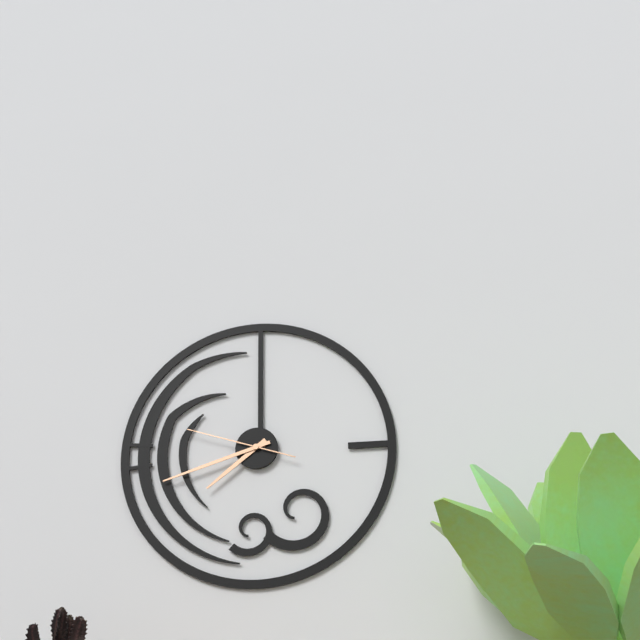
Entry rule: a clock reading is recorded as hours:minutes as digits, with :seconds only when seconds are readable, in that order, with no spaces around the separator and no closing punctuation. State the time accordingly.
7:42:48
